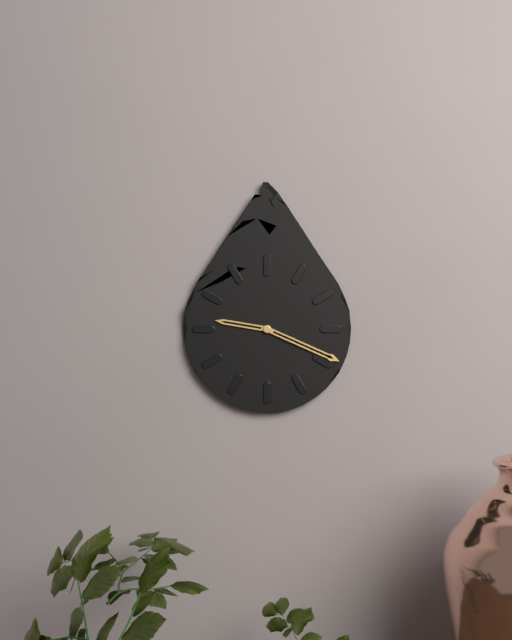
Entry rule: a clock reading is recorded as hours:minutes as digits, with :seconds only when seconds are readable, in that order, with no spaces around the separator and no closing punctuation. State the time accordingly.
9:19
